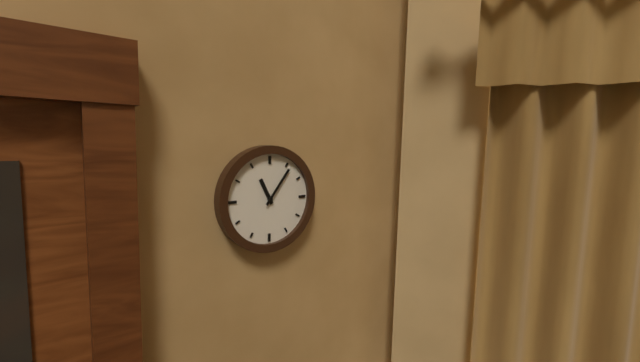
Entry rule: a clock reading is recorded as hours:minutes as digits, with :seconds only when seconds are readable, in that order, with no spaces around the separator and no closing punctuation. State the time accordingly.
11:06
